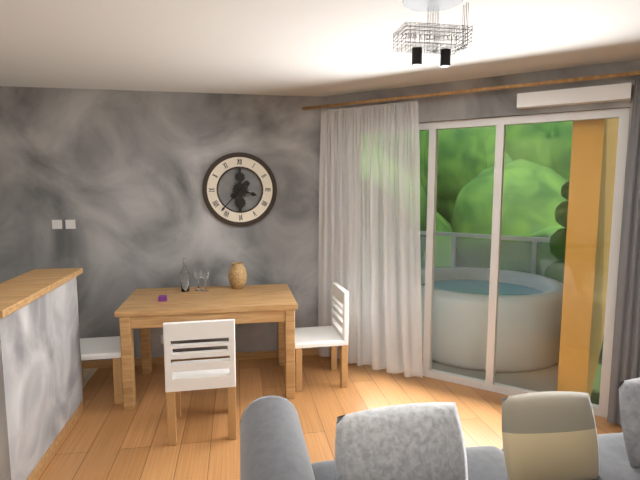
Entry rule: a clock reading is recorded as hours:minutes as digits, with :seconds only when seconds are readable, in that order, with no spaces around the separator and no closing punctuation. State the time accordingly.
3:37
